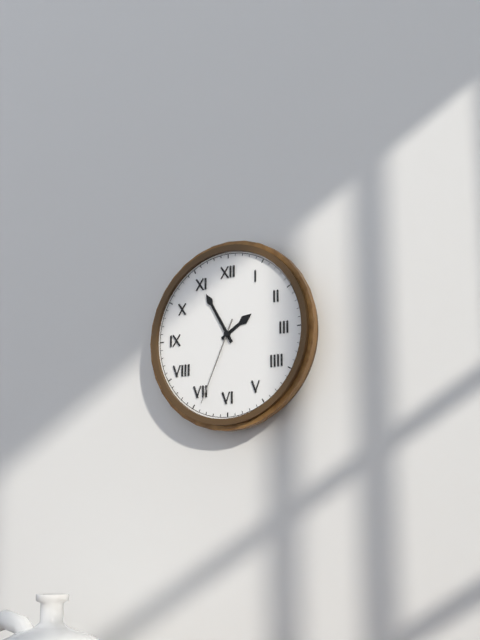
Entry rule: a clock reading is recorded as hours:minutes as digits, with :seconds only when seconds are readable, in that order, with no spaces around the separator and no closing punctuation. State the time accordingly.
1:55:34
